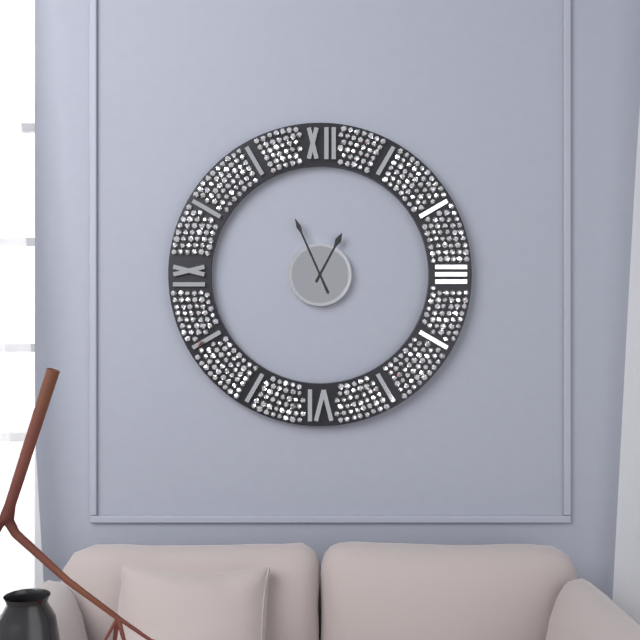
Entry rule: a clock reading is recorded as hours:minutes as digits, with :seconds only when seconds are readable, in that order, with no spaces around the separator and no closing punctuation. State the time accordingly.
12:56
